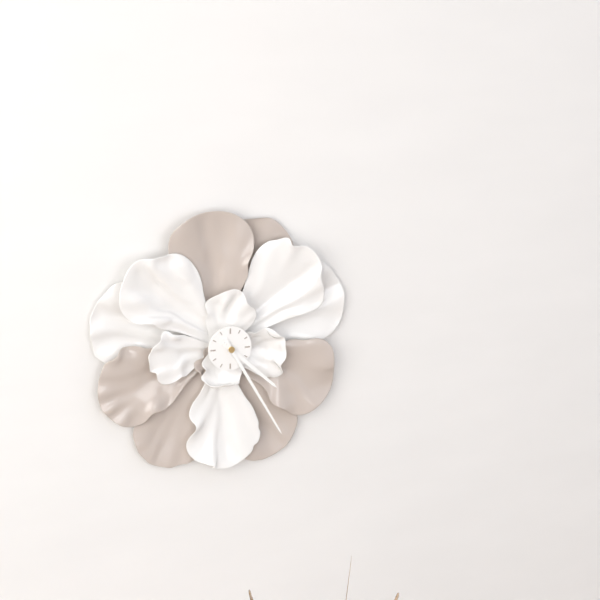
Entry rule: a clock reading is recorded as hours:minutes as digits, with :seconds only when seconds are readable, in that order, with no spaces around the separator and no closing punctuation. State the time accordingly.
4:25
